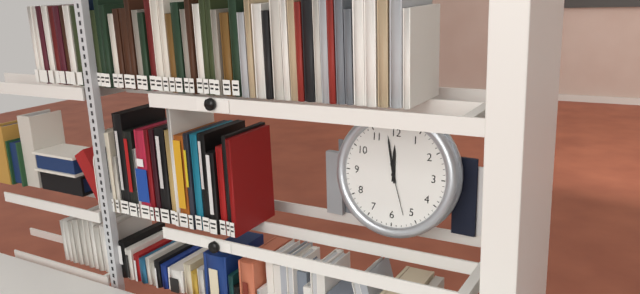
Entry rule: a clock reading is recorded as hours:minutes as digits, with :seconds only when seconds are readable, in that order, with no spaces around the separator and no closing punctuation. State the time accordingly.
11:58:27
